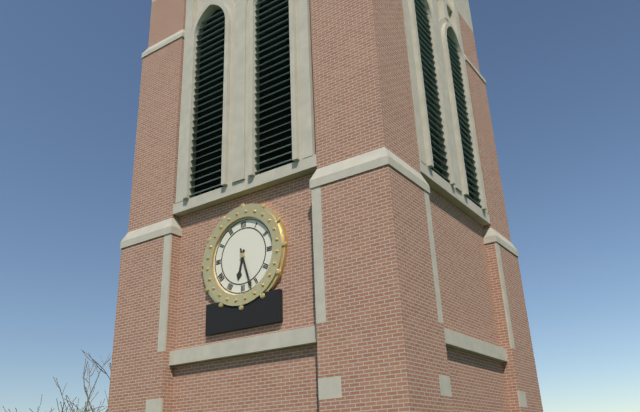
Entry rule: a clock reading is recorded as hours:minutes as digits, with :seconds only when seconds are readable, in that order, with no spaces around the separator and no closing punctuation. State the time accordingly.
6:27
